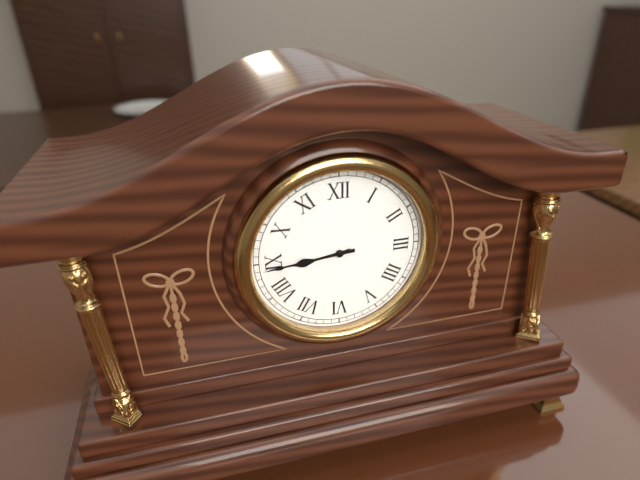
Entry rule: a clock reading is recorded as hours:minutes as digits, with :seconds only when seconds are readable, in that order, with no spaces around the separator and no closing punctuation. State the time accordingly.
8:44
